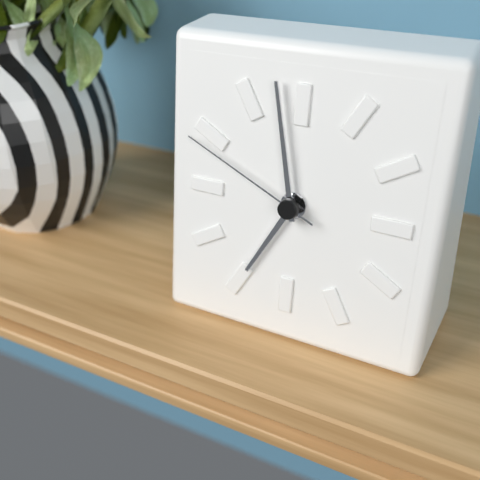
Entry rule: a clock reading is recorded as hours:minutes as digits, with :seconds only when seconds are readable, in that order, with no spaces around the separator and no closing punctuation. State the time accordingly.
6:58:49
